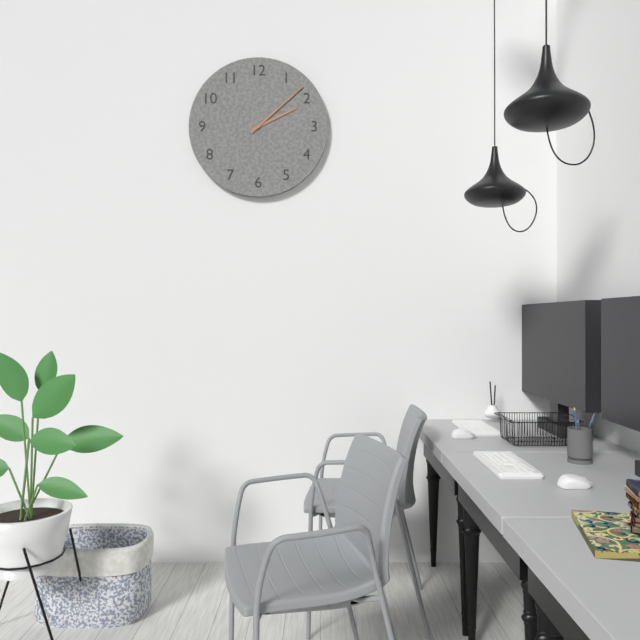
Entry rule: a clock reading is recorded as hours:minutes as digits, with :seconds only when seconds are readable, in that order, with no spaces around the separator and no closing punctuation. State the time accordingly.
2:08
